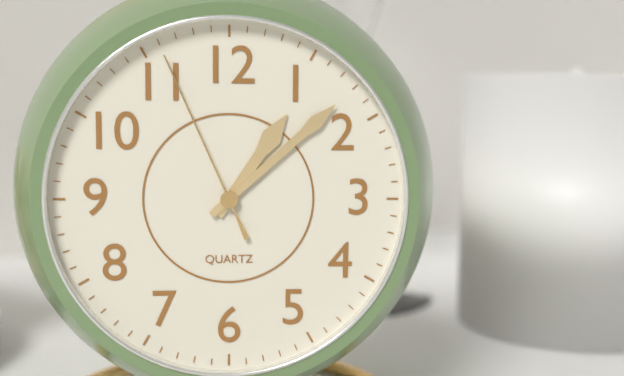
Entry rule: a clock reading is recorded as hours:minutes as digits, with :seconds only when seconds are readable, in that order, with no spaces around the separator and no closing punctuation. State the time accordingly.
1:08:56
